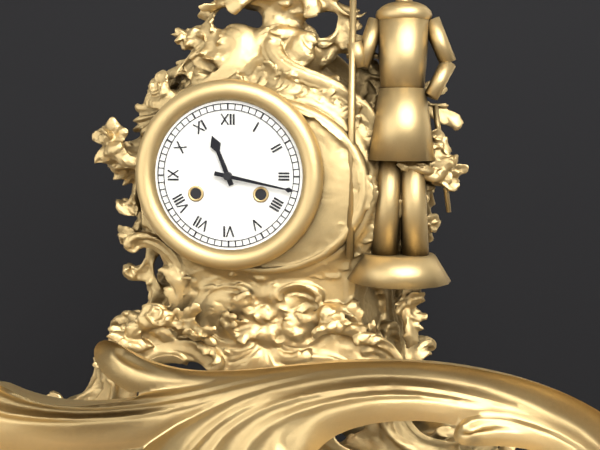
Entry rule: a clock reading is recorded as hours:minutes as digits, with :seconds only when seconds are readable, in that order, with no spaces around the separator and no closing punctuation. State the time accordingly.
11:17
